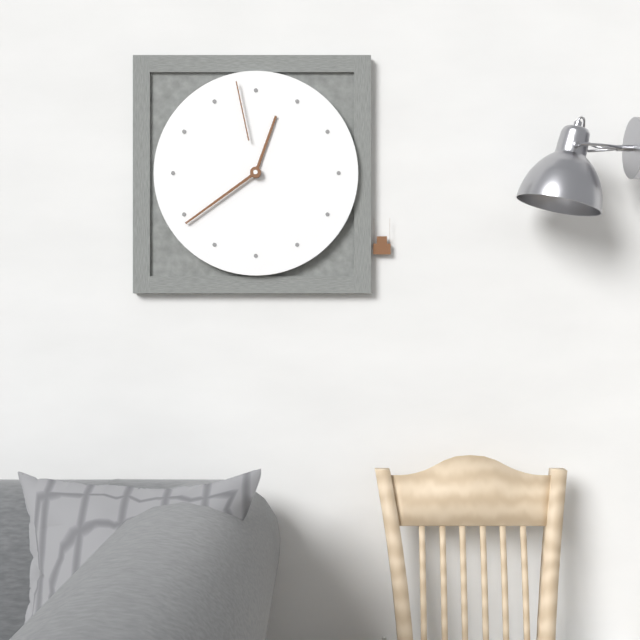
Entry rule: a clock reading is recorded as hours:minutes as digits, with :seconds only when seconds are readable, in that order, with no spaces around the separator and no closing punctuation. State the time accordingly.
12:39:58
